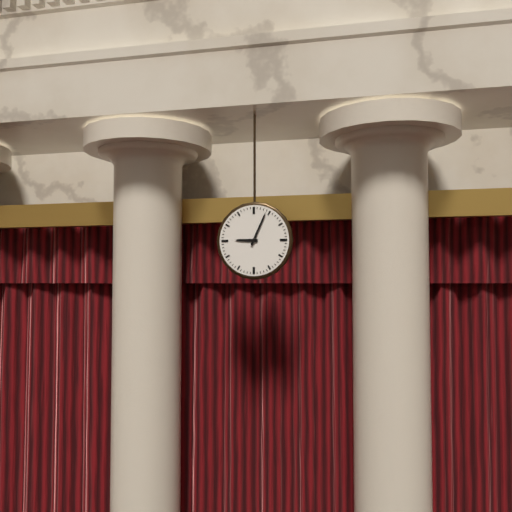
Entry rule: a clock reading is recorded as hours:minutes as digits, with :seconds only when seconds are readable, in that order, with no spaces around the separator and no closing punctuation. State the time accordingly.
9:04
